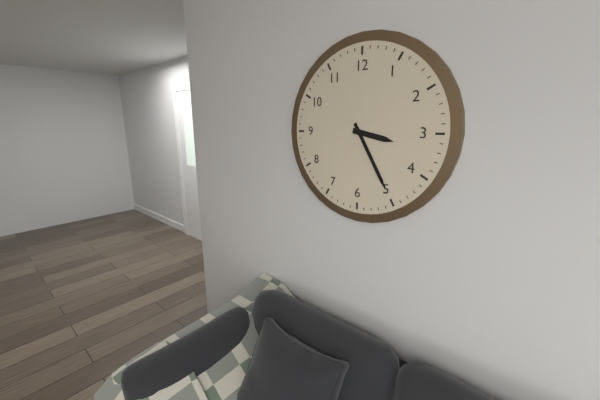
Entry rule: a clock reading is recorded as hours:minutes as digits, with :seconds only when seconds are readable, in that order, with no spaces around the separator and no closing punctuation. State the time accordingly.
3:25
